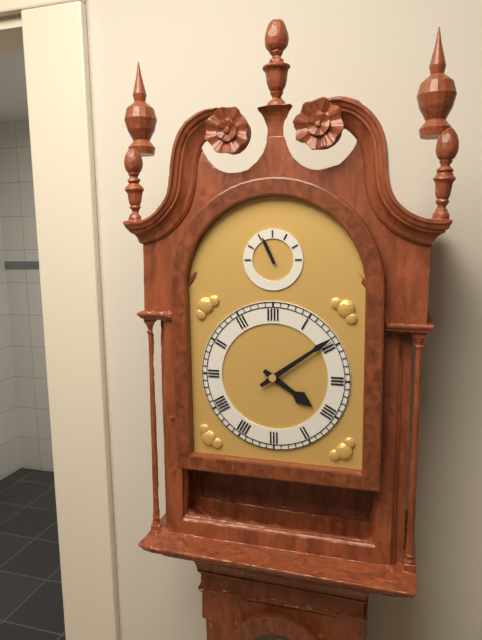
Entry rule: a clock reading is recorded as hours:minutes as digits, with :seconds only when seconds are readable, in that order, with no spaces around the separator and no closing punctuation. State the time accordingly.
4:09
